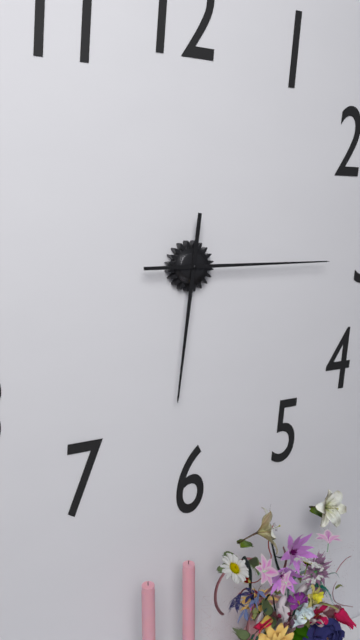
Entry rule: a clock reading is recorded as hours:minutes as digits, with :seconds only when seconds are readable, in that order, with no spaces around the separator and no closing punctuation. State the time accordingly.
6:15
